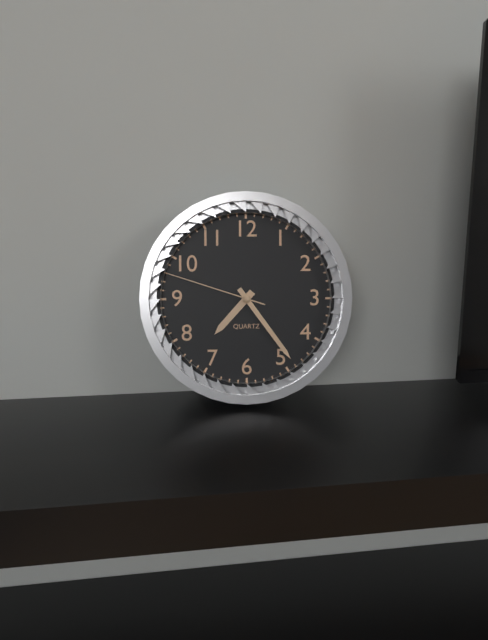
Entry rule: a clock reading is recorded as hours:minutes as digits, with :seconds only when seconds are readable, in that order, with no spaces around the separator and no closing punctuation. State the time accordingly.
7:24:48
